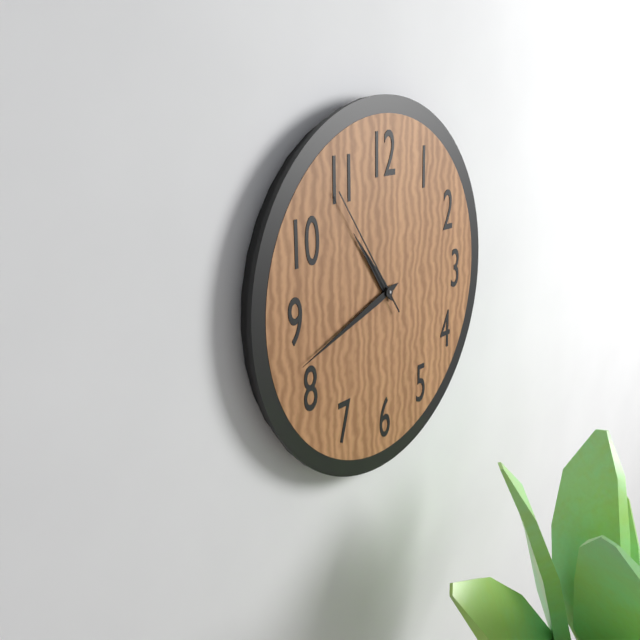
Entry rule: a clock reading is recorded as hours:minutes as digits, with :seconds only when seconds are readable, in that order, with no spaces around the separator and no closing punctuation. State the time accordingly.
10:42:54
